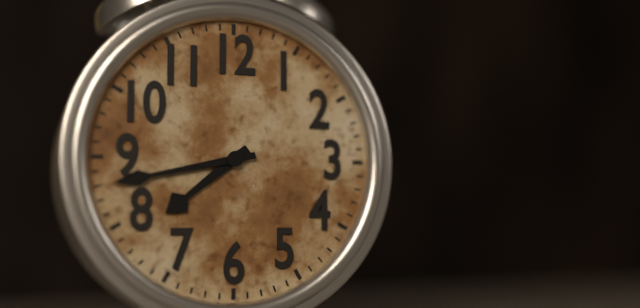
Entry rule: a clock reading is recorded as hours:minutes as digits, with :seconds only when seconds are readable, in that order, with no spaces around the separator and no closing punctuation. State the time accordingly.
7:43
